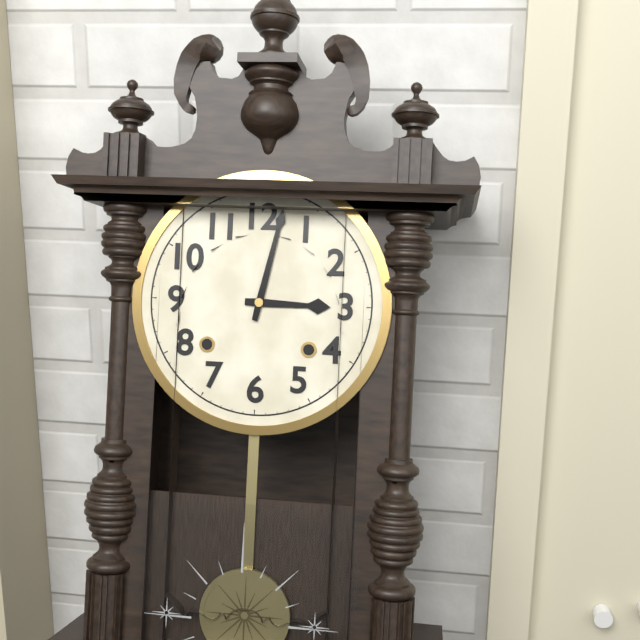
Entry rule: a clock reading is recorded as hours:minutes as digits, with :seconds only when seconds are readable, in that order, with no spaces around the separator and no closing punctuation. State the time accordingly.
3:02
